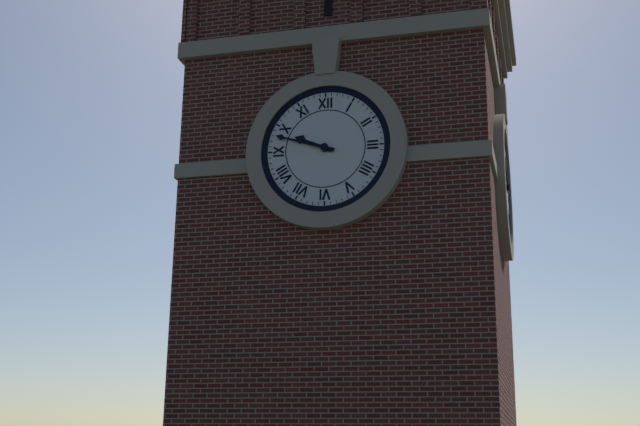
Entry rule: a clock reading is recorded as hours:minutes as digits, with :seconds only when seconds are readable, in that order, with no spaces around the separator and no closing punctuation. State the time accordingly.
9:48
